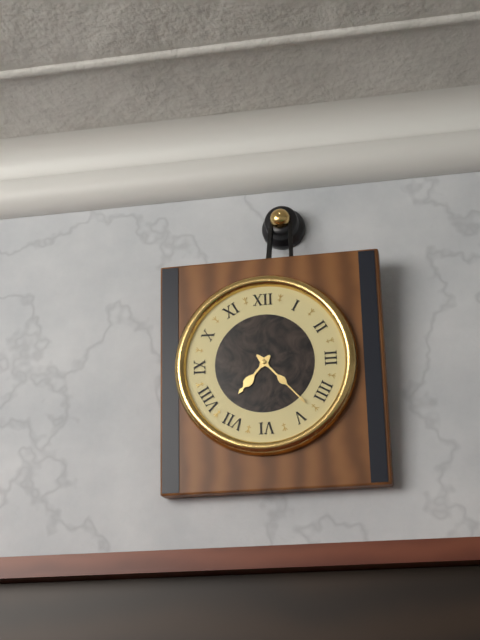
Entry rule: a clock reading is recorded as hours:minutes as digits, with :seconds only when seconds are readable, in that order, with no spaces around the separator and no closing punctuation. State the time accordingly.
7:23
